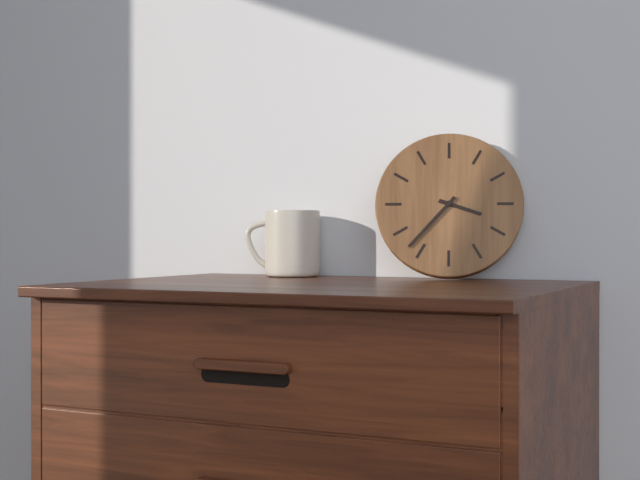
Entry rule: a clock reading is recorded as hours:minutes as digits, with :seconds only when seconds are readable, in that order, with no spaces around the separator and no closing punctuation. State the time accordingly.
3:37
